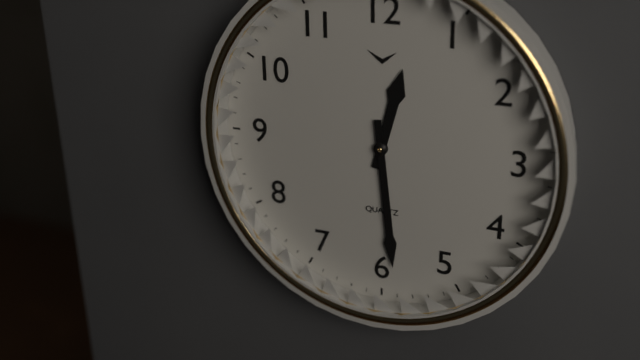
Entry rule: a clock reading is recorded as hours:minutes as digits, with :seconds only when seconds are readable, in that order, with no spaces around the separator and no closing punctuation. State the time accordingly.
12:29
